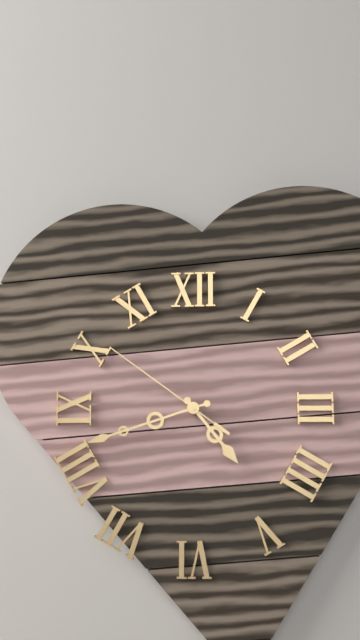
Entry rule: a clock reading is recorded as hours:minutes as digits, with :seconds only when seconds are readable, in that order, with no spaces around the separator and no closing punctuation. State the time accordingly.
4:42:51
